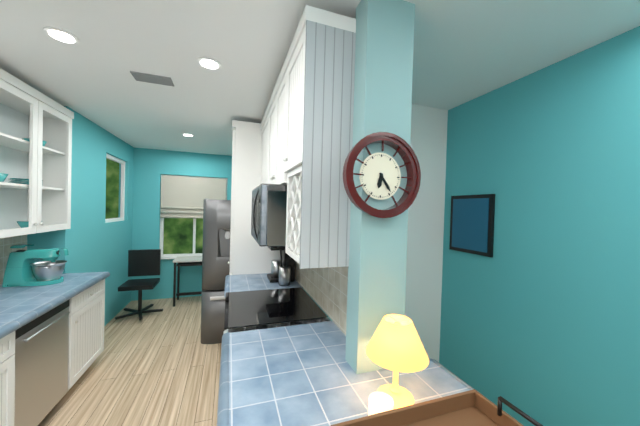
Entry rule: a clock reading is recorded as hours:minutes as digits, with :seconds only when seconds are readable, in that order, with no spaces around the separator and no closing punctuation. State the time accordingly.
6:24
